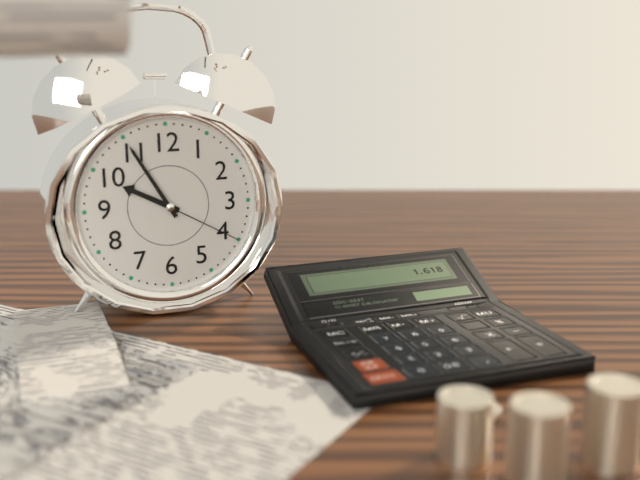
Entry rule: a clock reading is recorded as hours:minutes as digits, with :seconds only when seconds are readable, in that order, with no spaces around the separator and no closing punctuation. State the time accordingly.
9:55:20
